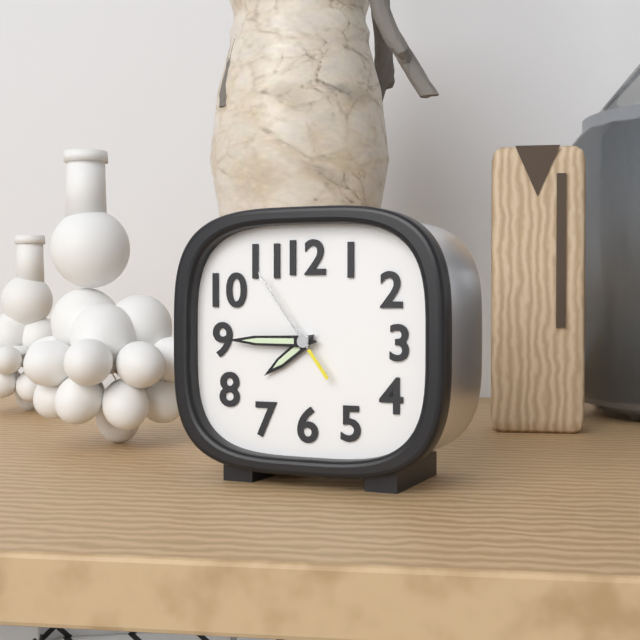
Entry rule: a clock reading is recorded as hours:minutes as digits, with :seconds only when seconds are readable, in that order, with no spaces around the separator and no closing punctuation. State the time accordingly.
7:45:54
